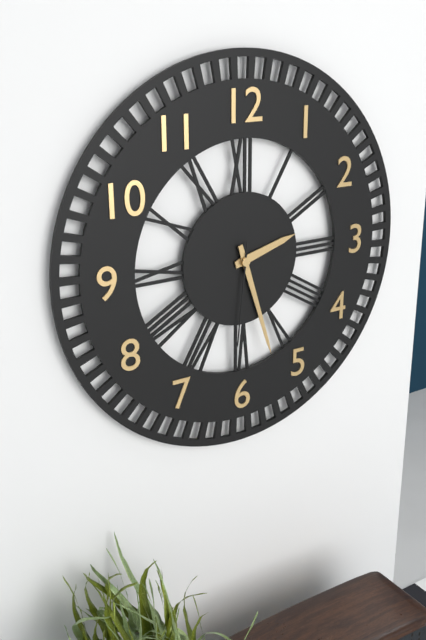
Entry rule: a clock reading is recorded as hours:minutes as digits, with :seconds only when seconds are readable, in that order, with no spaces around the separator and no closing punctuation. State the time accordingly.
2:27:31
